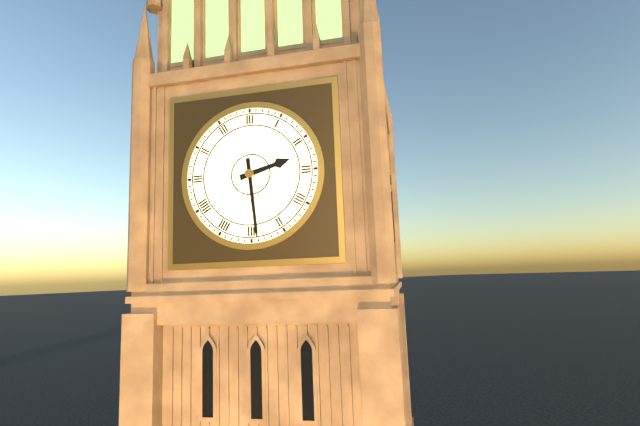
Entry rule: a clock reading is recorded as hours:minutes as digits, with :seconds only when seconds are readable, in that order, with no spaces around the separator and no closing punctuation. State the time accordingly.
2:29
